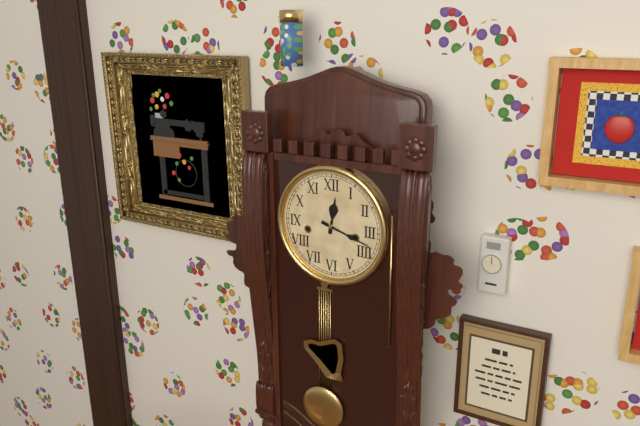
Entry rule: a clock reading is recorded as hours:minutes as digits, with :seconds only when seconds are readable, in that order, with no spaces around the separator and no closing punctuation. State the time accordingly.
12:18
